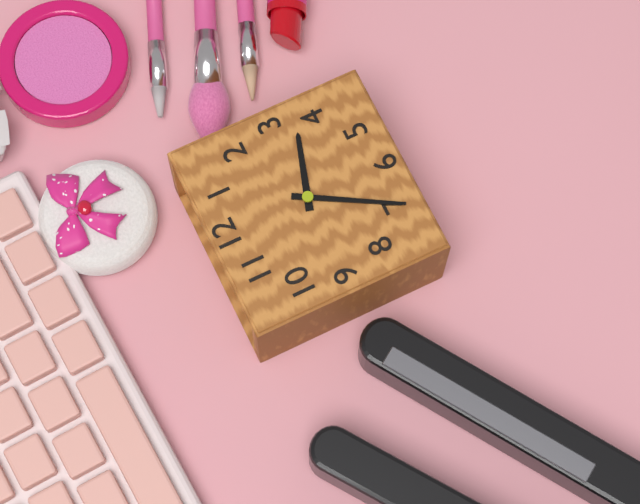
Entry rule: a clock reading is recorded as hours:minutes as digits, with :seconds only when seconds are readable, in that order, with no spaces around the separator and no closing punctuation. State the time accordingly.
3:35
